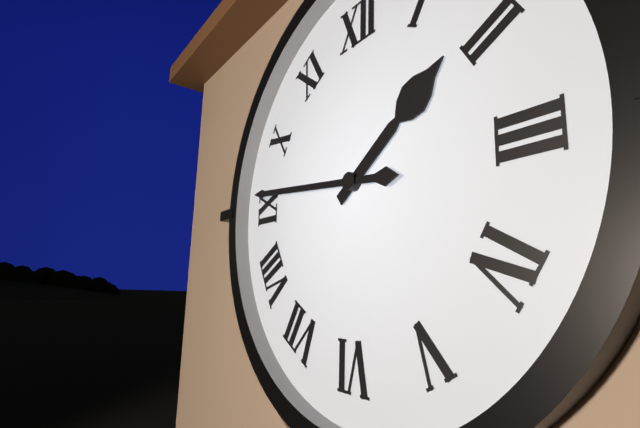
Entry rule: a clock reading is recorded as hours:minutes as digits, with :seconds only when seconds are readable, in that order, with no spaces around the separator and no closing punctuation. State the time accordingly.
1:46
